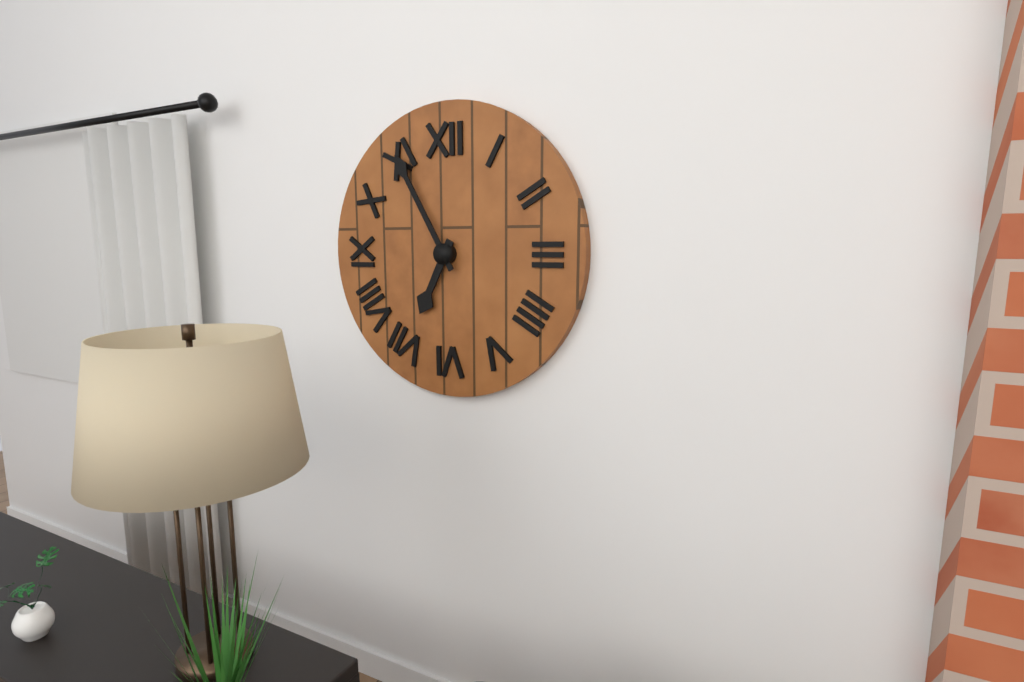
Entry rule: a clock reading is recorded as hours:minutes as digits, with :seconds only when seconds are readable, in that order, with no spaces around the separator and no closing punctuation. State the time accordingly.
6:55
